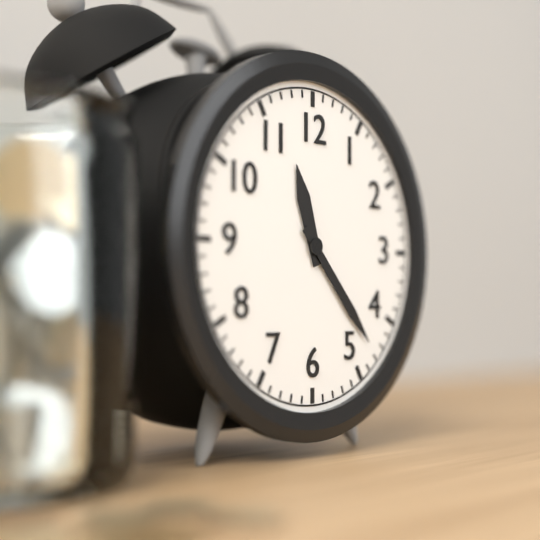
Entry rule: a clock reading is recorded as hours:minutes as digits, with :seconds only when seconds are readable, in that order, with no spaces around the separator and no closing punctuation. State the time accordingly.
11:23
